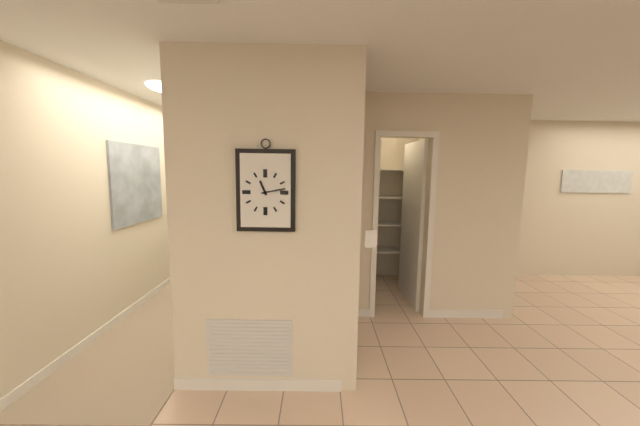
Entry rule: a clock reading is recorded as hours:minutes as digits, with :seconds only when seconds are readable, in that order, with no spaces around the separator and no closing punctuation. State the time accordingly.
11:13
